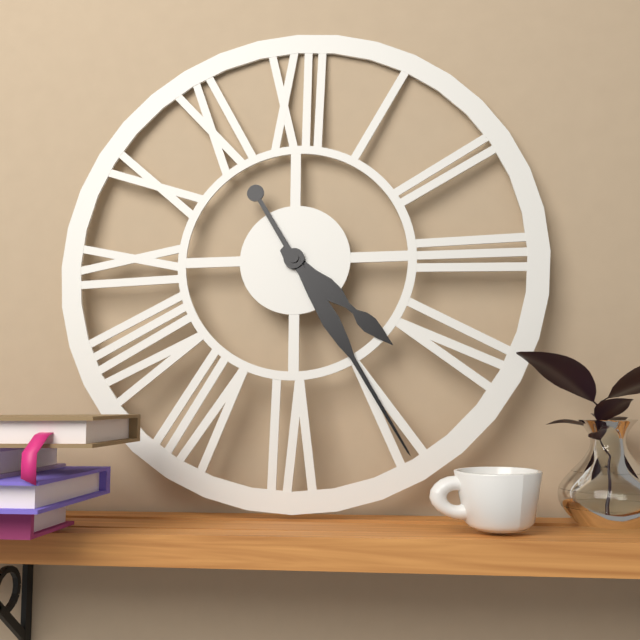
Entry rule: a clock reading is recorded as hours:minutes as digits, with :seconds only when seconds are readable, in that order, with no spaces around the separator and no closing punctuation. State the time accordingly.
4:25
